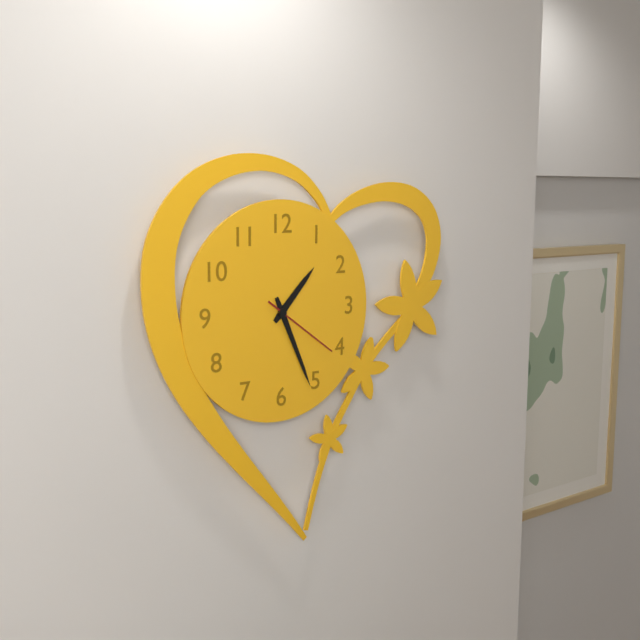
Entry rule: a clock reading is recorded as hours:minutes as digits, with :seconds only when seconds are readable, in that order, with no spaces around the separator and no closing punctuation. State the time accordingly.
1:26:21
